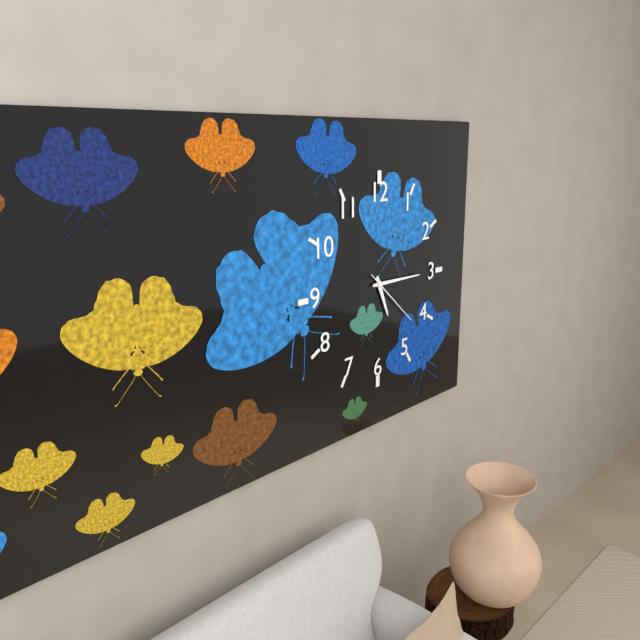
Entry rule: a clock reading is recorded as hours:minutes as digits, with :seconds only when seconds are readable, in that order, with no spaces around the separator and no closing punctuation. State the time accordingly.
5:15:22
